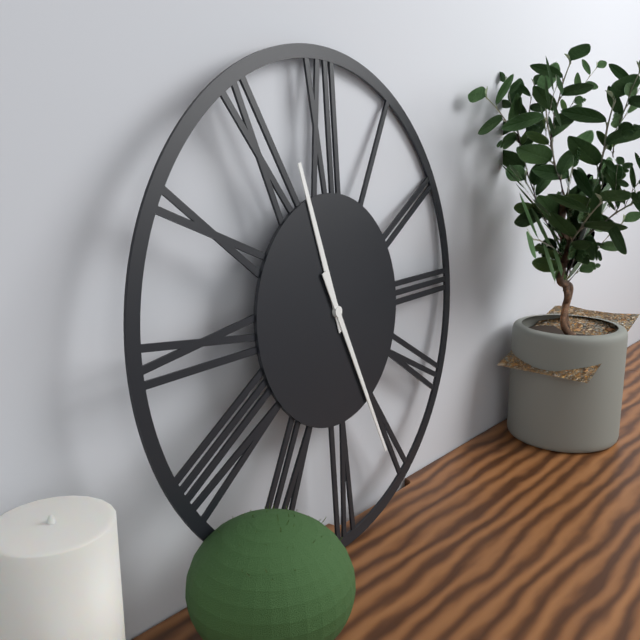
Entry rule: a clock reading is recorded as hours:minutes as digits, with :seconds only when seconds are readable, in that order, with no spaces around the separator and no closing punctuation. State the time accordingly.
11:26
